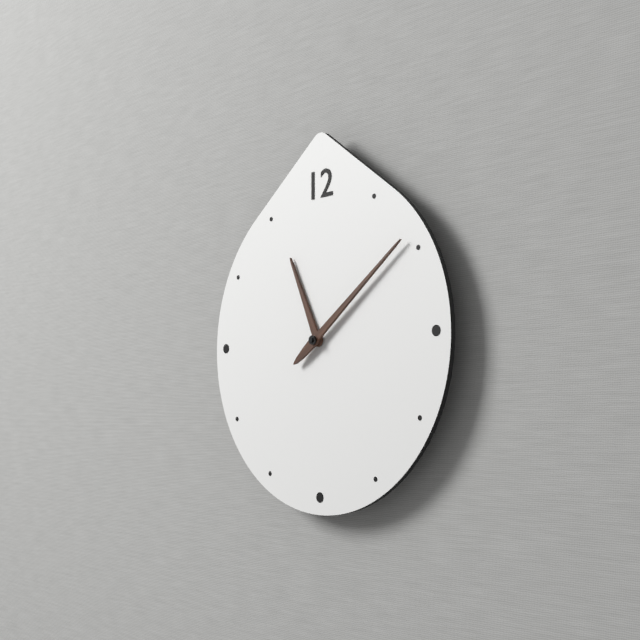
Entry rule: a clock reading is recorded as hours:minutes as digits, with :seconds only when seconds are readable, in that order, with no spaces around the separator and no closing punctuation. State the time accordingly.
11:09
